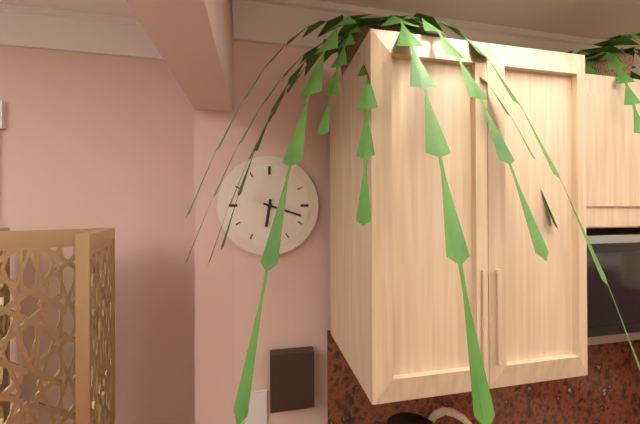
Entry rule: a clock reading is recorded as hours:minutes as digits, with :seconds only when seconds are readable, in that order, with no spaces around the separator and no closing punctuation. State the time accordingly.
6:18
